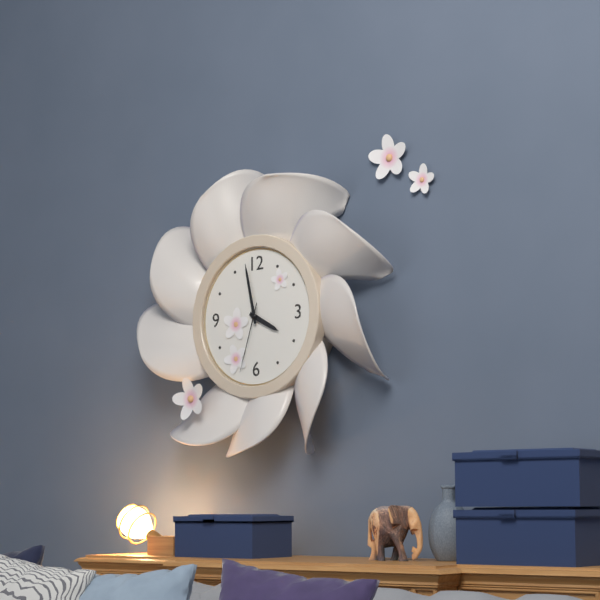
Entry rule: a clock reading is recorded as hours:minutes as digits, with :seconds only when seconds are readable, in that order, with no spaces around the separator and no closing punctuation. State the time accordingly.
3:58:33
